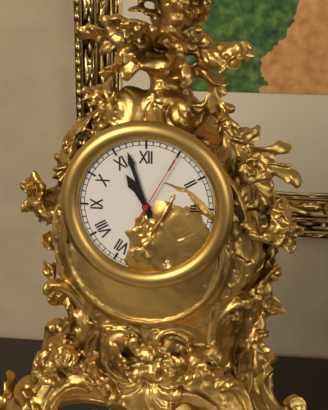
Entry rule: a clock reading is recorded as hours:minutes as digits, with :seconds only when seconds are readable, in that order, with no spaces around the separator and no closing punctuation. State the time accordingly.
10:57:05
